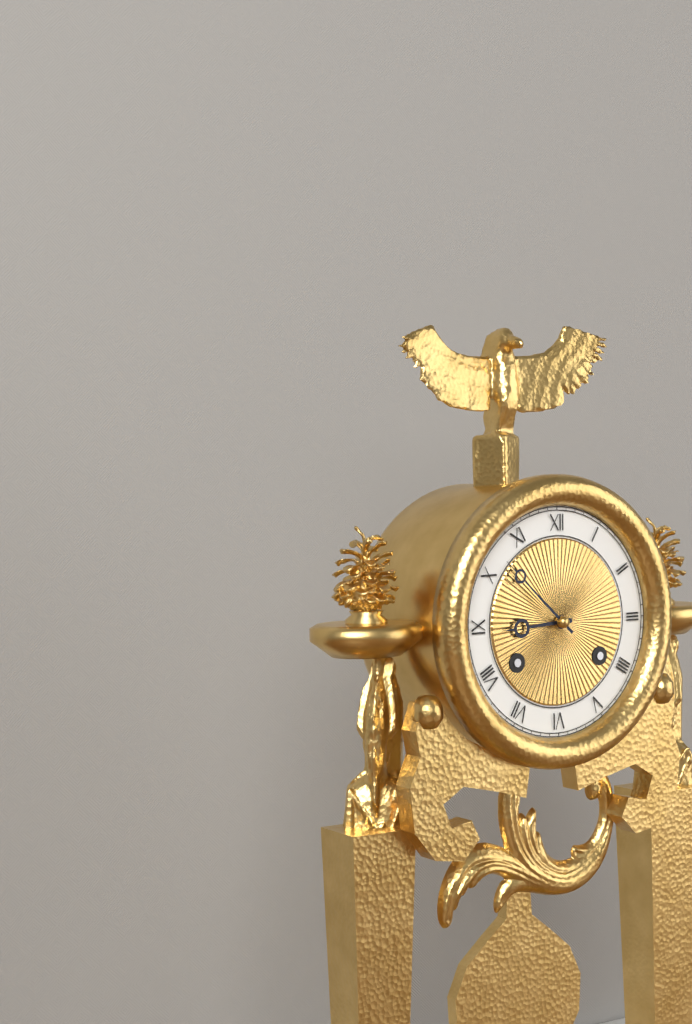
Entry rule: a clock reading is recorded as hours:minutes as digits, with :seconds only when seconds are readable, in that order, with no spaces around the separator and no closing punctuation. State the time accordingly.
8:52
